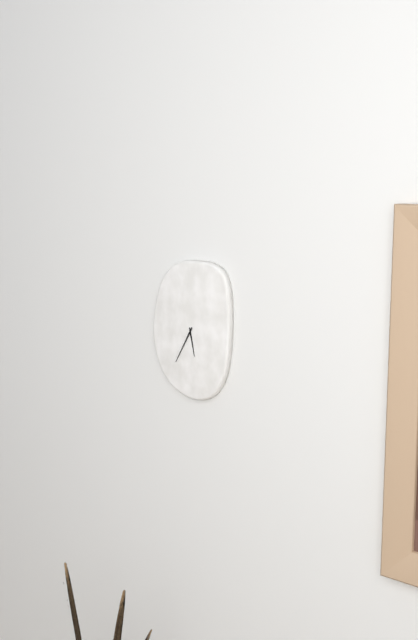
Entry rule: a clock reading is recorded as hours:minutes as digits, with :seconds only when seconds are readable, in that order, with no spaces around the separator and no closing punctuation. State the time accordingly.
5:35
